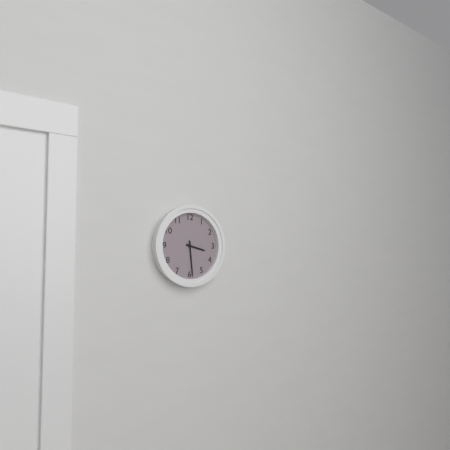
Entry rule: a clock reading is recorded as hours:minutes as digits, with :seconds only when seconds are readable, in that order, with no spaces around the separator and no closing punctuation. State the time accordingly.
3:29
